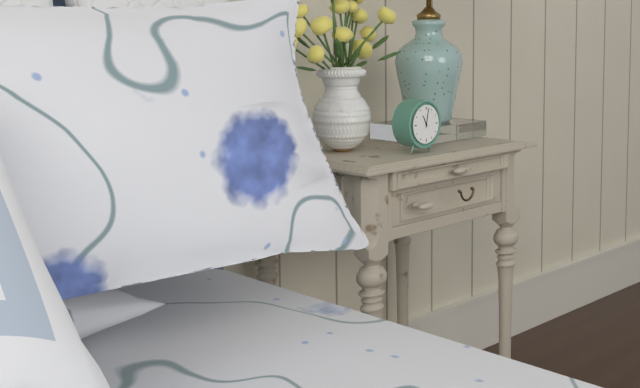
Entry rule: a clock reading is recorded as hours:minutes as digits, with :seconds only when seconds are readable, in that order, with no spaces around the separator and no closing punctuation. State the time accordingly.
11:02
